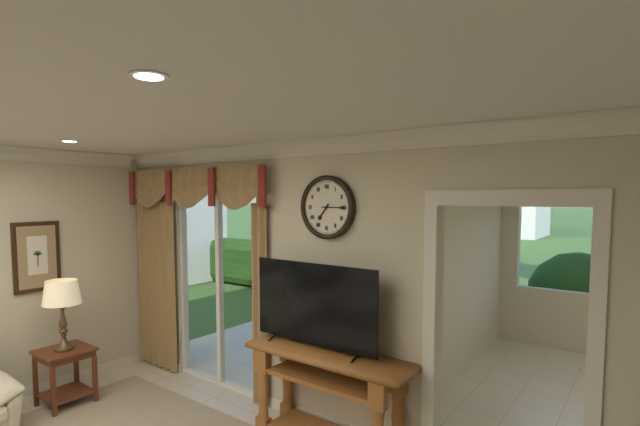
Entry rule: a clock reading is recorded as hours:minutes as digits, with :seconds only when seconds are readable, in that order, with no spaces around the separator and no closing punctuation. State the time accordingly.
7:15
